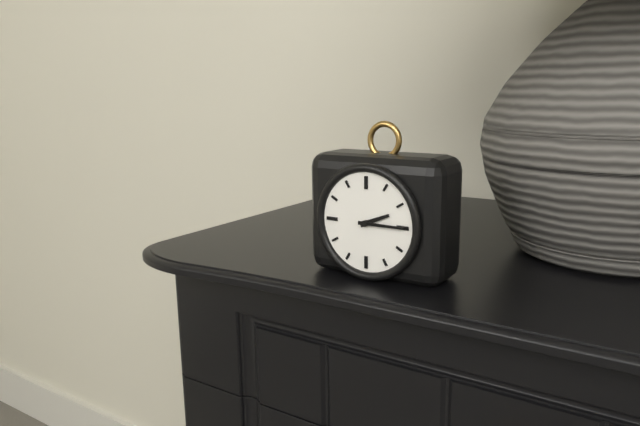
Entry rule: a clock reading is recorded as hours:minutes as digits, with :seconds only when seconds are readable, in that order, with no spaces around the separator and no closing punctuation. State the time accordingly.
2:15
